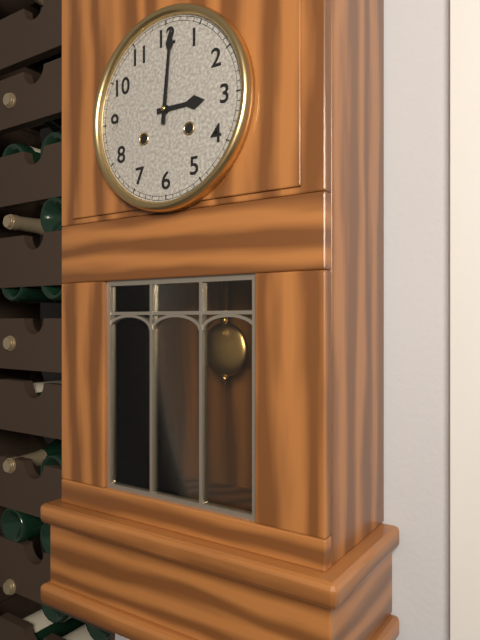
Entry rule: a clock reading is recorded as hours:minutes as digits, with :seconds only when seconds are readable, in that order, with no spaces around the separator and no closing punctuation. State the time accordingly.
3:01
